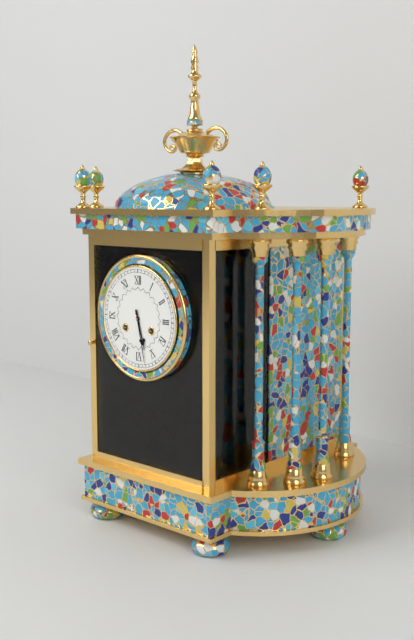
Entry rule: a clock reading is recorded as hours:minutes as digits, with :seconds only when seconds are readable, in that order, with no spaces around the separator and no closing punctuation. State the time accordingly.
5:28
